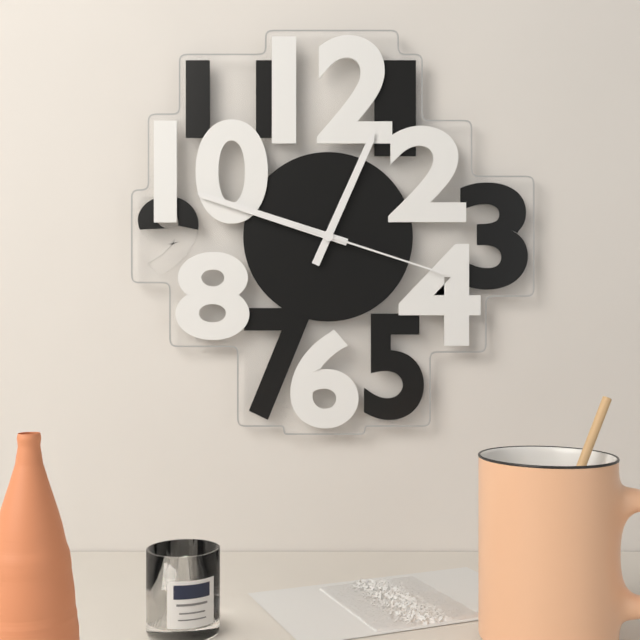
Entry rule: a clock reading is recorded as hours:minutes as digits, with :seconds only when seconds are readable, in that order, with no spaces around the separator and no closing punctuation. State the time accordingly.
12:48:18
